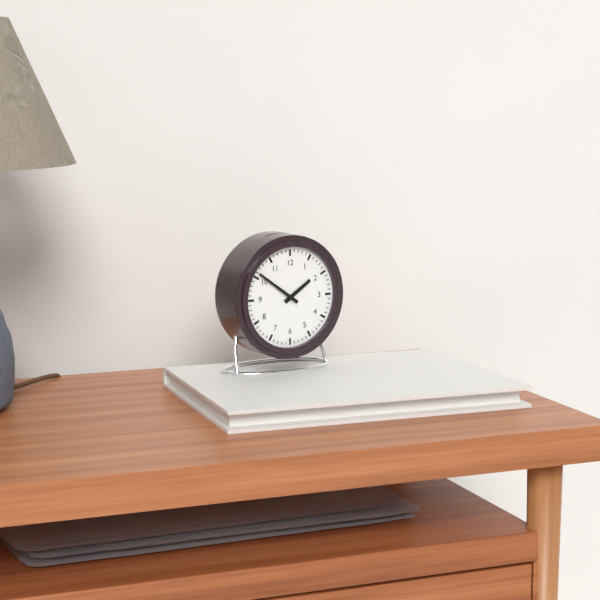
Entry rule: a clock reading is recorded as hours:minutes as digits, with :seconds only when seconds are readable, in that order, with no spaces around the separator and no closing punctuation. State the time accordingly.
1:51
